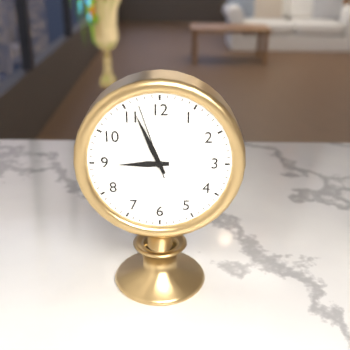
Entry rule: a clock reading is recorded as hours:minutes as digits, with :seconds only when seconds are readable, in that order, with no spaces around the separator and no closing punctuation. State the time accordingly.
8:56:57
